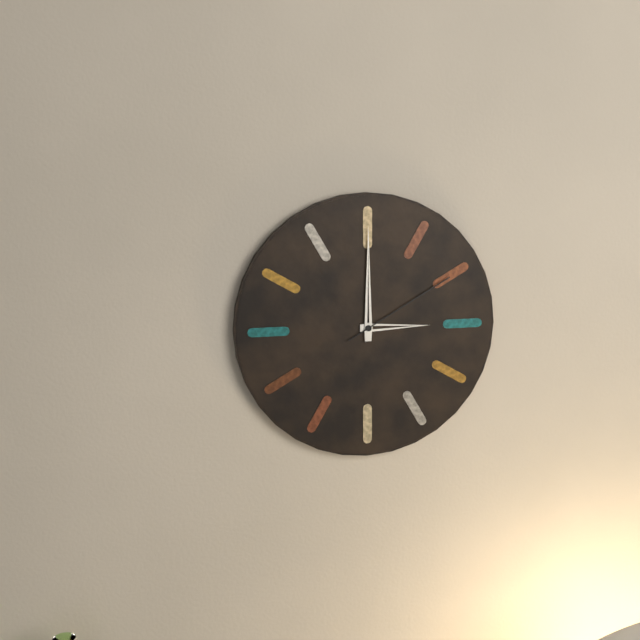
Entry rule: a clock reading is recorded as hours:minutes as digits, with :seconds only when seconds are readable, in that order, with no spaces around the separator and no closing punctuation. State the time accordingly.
3:00:10
